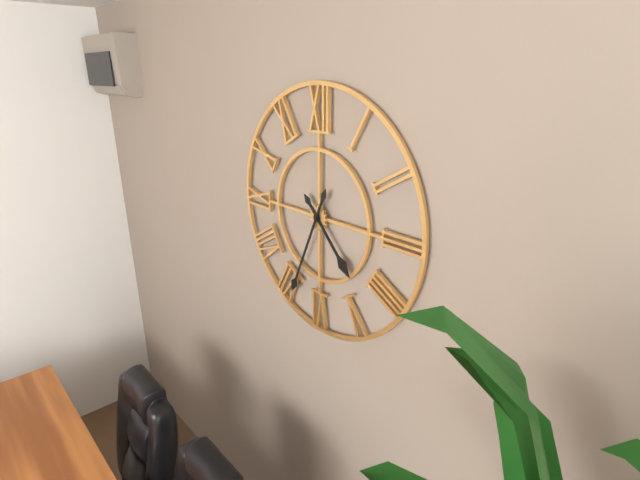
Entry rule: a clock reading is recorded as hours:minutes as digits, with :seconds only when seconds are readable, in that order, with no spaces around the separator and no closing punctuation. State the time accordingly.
4:34
